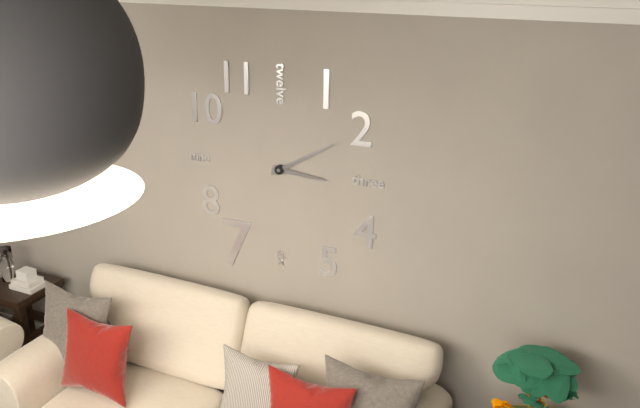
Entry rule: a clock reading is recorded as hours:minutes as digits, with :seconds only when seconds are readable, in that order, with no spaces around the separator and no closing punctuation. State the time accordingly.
3:10
